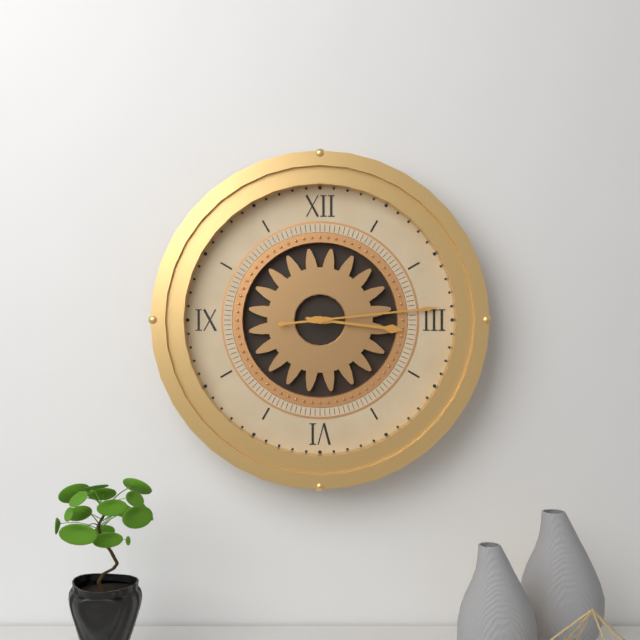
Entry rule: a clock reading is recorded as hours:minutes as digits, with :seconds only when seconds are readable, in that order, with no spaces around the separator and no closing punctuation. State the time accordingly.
3:14
